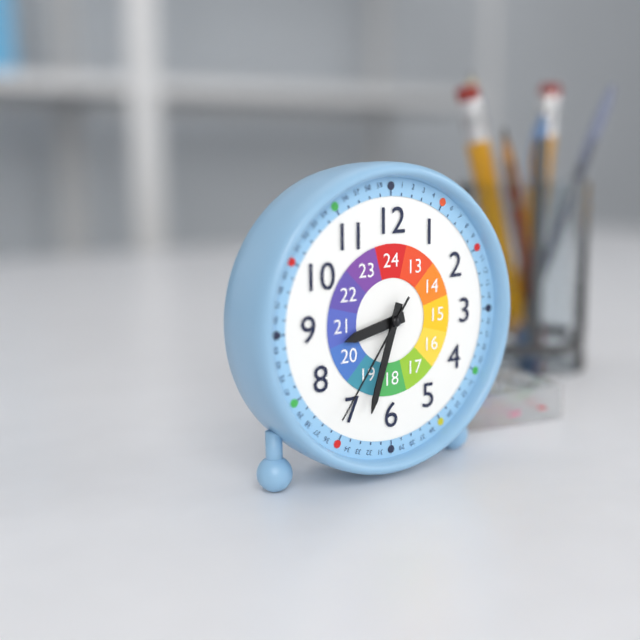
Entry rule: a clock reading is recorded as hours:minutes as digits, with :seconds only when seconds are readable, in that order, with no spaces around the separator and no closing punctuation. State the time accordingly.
8:33:36
